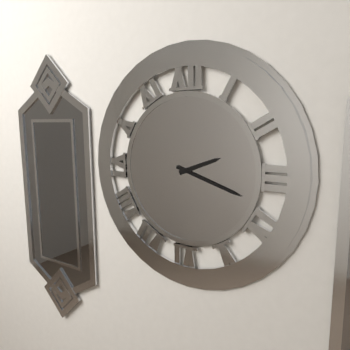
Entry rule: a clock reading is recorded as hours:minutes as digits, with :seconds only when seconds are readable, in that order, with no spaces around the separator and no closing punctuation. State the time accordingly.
2:18
